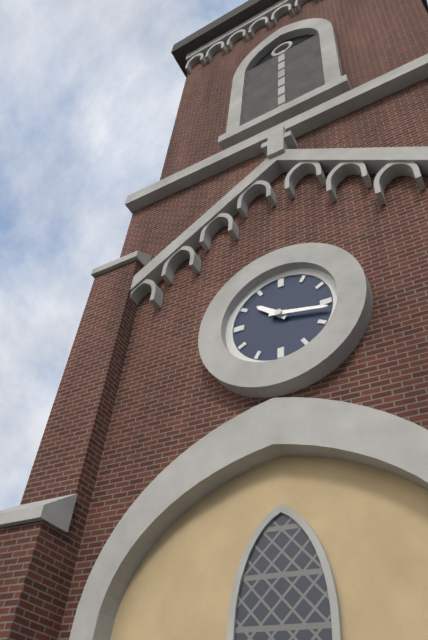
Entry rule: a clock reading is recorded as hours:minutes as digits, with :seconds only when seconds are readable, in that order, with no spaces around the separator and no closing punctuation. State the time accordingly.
10:17
